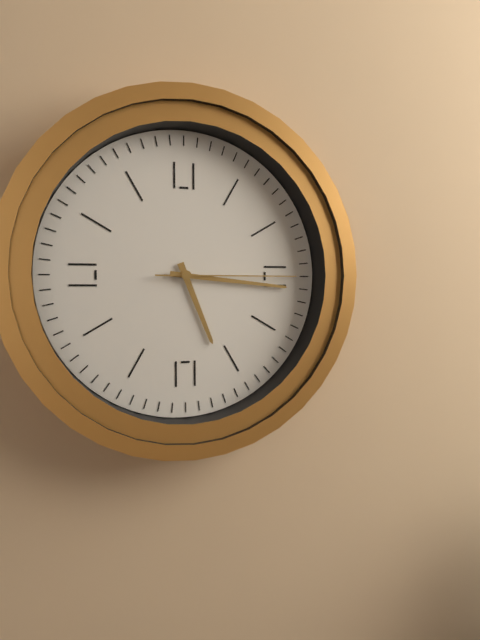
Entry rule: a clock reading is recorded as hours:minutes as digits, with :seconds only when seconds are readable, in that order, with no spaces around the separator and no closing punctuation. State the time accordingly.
5:16:15
